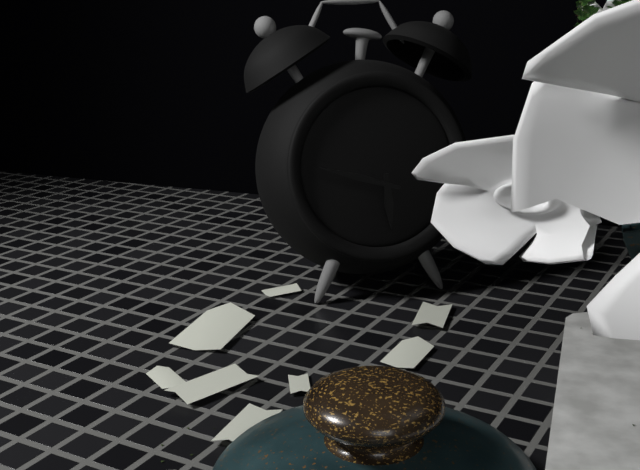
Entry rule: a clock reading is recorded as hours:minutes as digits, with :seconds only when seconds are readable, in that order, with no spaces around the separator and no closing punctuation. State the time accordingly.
5:48
